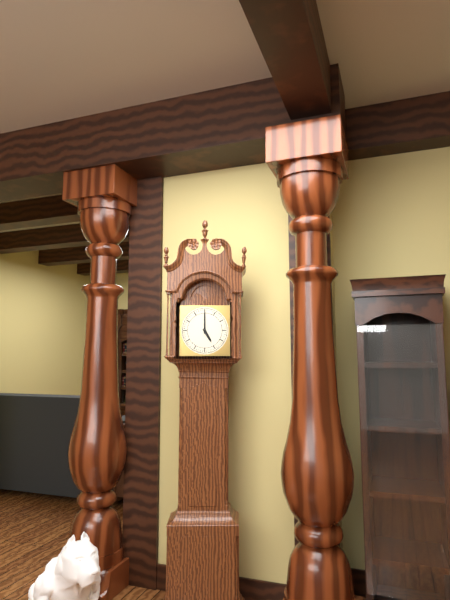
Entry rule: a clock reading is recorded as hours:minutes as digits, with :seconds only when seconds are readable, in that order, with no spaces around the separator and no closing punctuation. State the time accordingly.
5:00
